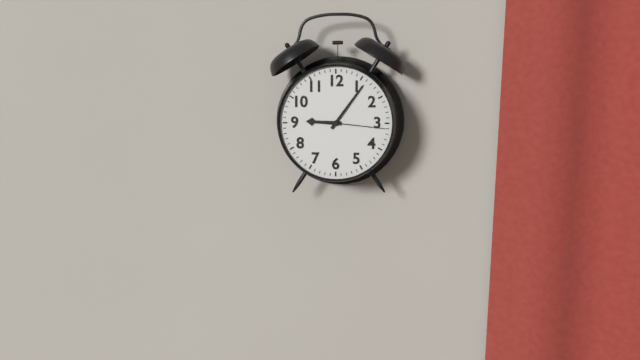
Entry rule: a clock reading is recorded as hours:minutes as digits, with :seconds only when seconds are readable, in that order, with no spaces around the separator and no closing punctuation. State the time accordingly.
9:06:16
